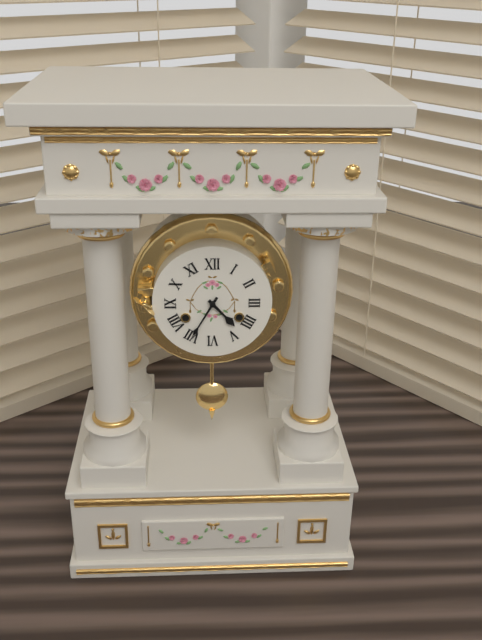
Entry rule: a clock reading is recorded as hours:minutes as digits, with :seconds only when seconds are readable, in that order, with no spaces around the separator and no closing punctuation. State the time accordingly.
4:35
